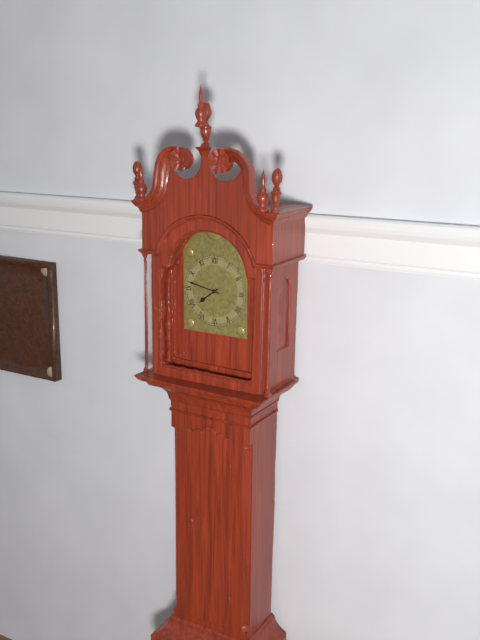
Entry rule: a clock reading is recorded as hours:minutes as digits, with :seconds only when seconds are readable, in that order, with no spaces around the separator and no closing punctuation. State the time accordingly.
7:47
